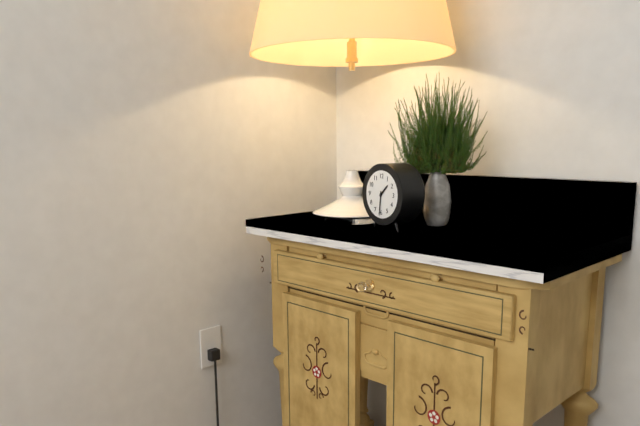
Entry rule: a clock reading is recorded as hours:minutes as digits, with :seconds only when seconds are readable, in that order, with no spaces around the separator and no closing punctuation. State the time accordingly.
1:31
